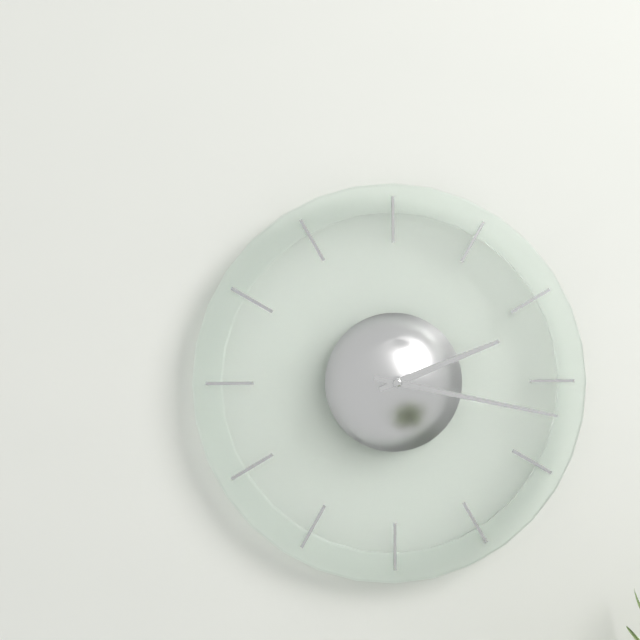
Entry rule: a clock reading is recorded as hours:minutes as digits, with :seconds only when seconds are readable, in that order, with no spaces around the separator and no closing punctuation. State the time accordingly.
2:17
